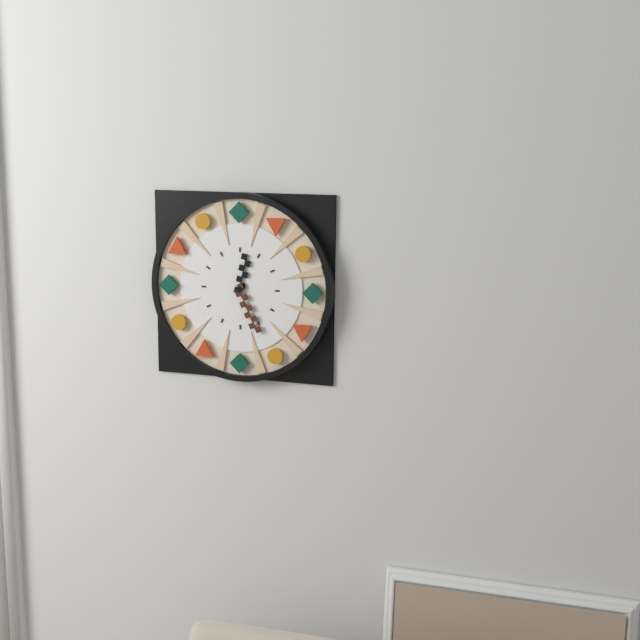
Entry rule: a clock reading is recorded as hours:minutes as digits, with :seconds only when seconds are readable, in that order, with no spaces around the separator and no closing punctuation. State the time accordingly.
12:26
